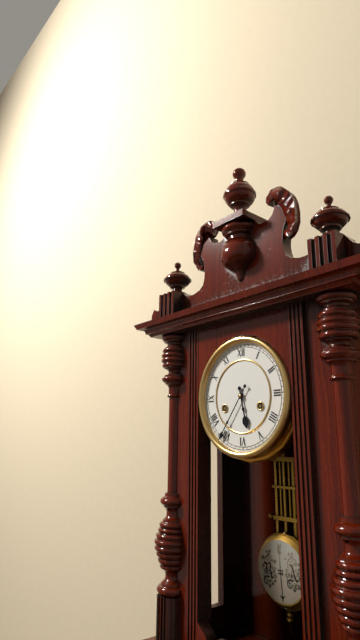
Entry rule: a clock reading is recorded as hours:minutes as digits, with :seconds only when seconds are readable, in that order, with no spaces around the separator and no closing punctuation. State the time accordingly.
5:36
